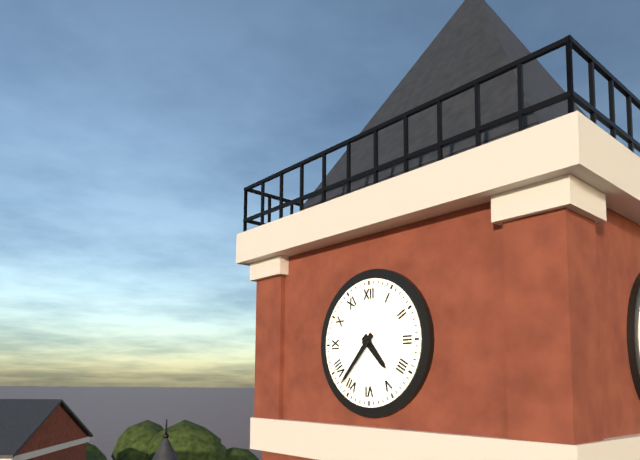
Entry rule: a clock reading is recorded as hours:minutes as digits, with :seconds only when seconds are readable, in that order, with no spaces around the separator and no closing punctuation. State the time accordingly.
4:37
